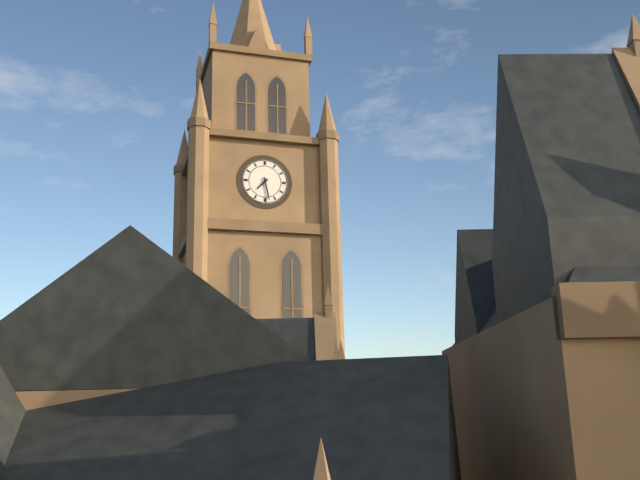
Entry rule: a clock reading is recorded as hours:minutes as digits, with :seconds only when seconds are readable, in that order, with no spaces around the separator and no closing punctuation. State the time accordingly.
7:28
